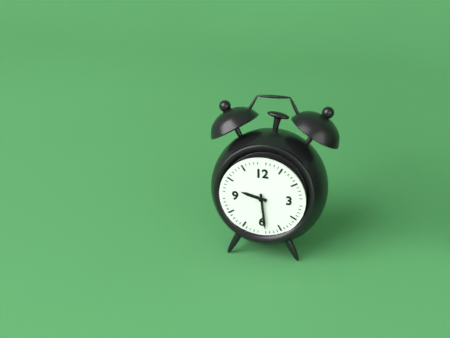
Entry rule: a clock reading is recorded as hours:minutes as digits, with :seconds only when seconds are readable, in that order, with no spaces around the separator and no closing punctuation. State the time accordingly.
9:29
